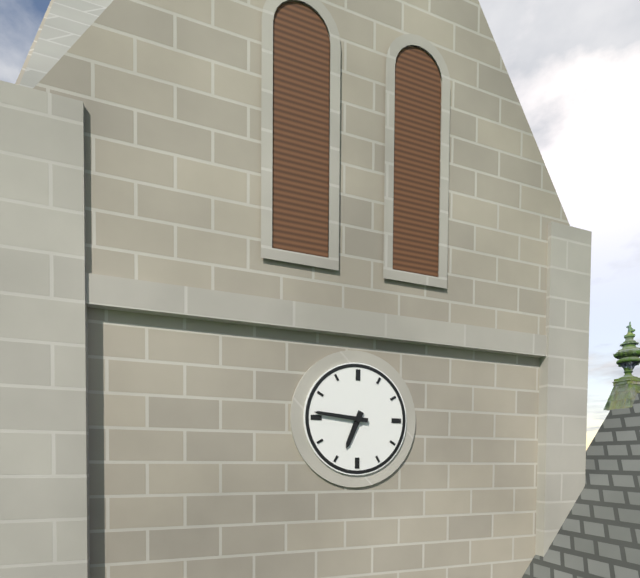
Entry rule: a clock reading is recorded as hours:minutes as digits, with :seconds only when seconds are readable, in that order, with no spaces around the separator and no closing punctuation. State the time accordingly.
6:46
